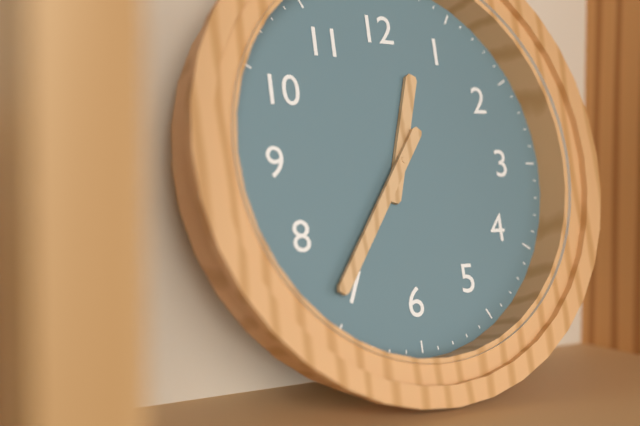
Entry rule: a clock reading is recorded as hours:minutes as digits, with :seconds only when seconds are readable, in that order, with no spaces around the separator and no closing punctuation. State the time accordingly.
12:36
